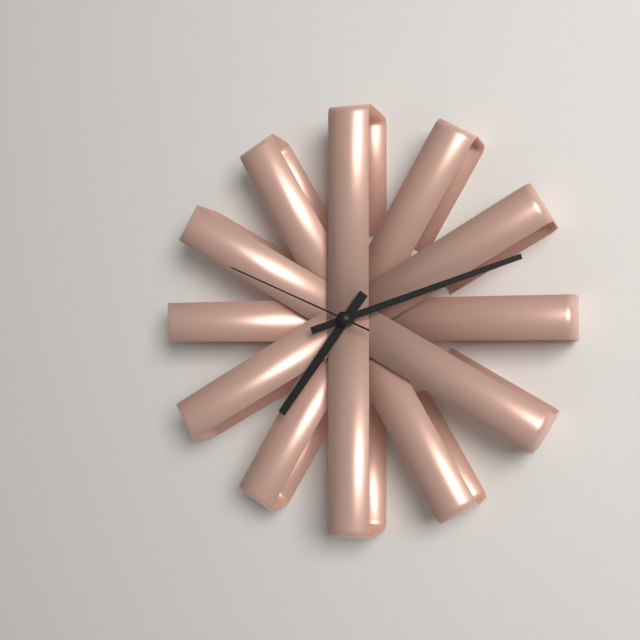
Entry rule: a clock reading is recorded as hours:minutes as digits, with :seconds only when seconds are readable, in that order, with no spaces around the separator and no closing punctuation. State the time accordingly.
7:12:49
